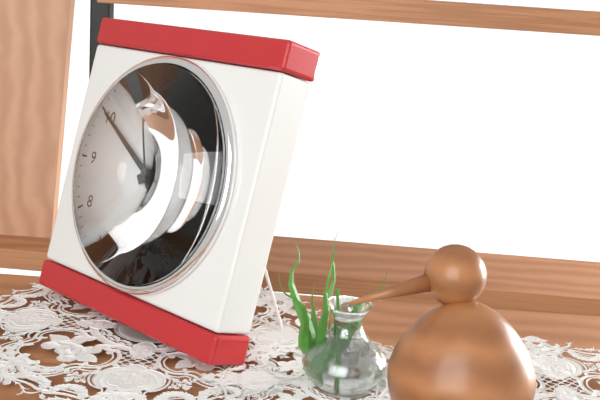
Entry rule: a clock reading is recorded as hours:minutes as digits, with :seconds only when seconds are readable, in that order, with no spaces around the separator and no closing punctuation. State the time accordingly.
1:50:56
